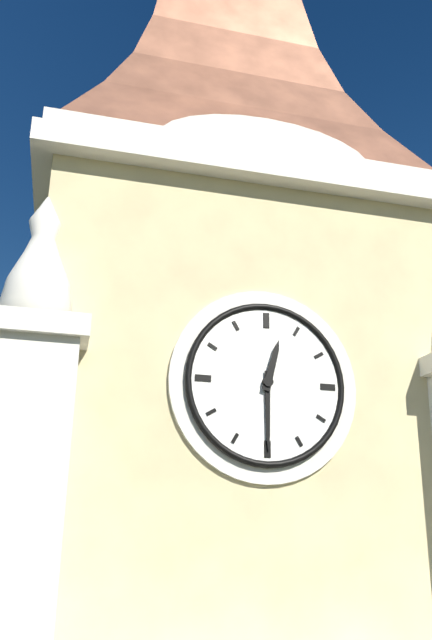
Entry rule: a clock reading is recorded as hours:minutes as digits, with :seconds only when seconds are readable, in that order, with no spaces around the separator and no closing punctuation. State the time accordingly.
12:30
